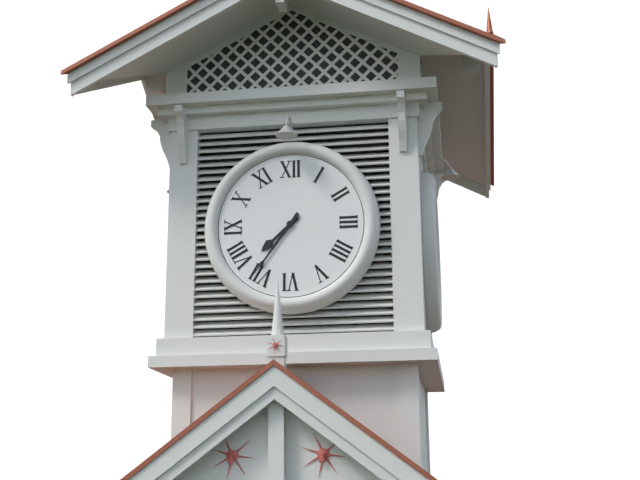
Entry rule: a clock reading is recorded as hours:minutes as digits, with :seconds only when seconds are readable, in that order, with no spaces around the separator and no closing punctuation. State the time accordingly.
7:36
